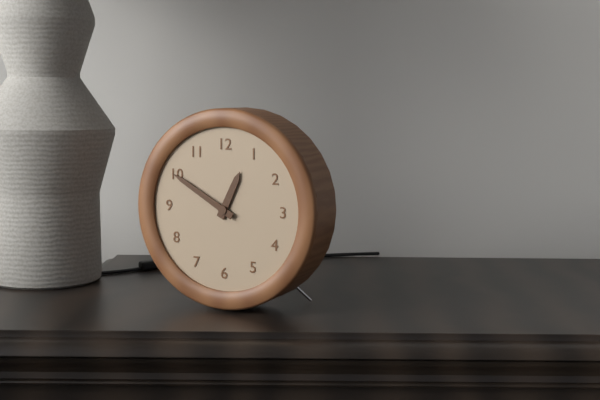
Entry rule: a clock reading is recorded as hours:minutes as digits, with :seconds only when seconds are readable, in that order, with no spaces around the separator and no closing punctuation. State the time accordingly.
12:50
